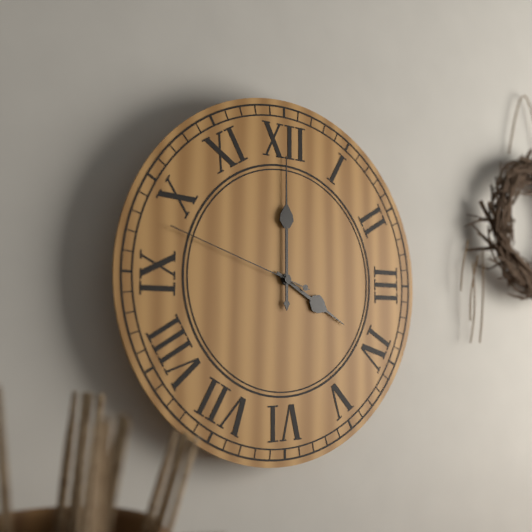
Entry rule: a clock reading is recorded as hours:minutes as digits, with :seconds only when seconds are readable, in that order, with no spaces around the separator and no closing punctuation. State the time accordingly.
4:00:48
